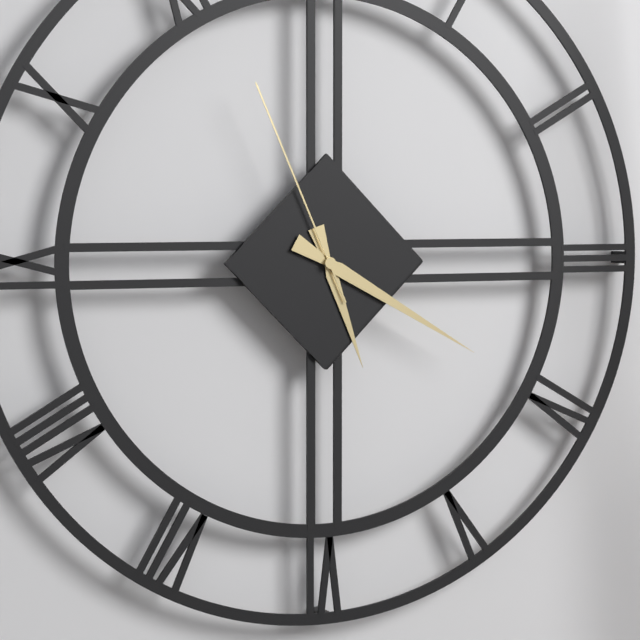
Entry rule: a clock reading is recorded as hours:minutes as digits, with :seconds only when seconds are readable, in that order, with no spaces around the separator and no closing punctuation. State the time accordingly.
5:20:56
